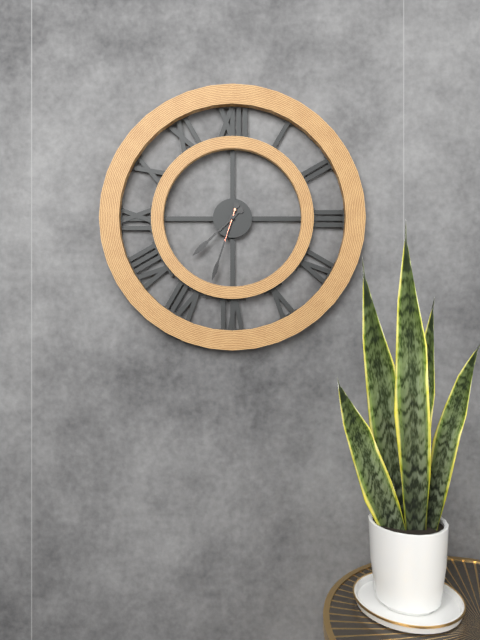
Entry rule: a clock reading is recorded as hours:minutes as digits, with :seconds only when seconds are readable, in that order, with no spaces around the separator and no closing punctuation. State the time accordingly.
7:33
